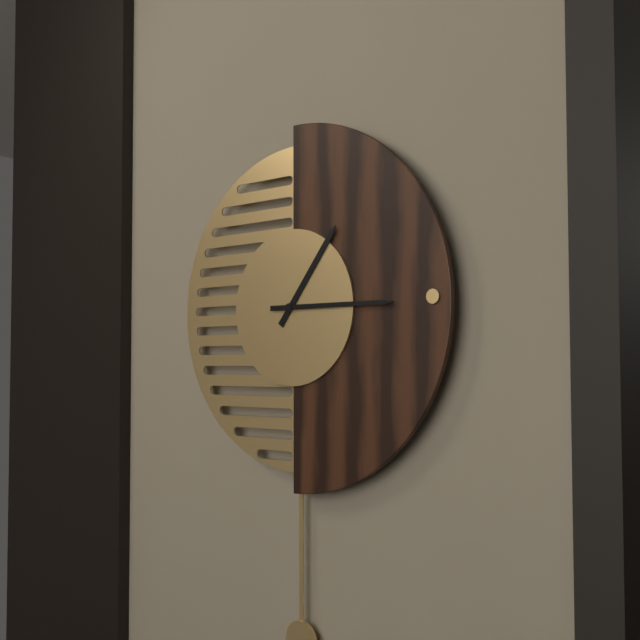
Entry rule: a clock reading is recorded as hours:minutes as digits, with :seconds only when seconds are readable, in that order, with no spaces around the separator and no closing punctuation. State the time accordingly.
1:15
